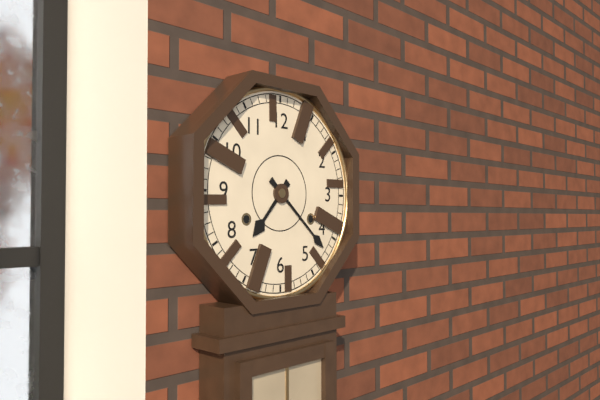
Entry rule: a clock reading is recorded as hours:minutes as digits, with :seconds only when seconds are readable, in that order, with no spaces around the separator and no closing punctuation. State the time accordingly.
7:22
